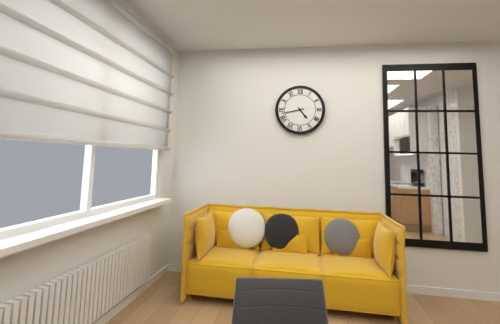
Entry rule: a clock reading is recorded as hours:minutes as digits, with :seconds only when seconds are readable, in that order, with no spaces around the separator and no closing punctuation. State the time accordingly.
4:43
